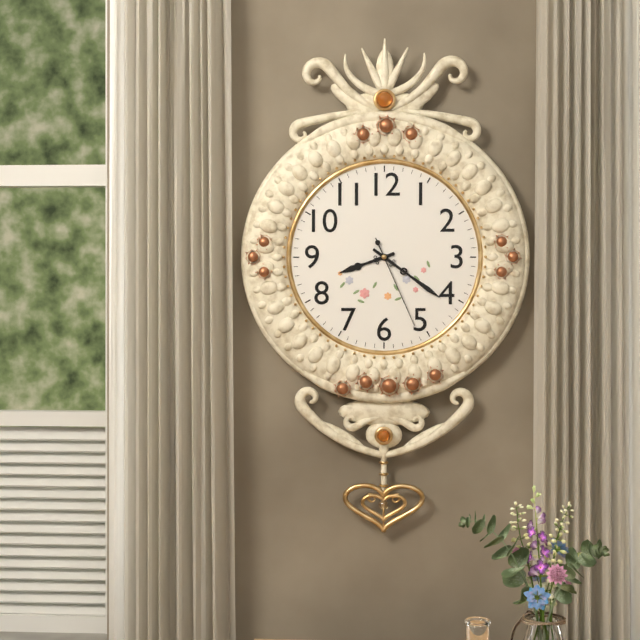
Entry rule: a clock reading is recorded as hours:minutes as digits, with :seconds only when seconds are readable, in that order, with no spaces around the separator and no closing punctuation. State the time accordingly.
8:21:26
